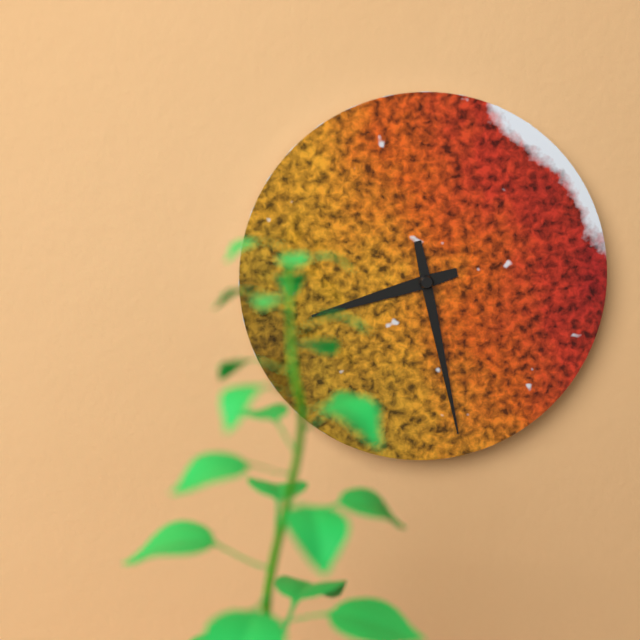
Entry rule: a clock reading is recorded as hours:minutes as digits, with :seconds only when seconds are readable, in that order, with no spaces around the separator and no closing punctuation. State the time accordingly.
8:28
